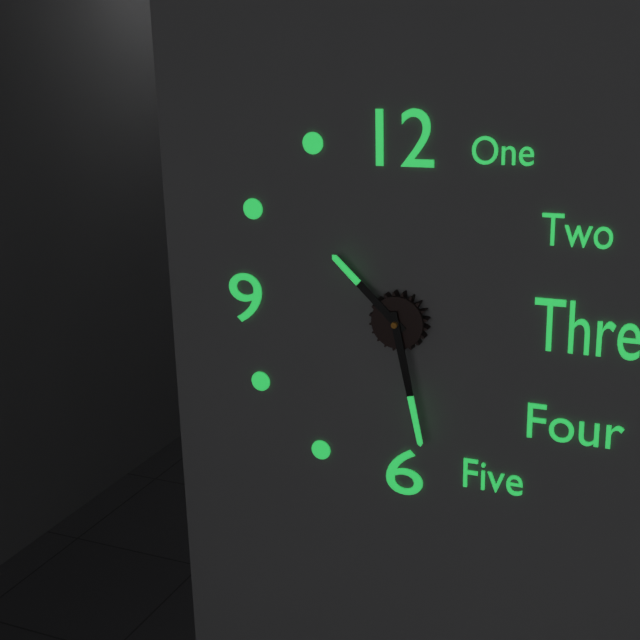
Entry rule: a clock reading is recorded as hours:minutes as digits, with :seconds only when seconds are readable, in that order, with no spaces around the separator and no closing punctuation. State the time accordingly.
10:28
